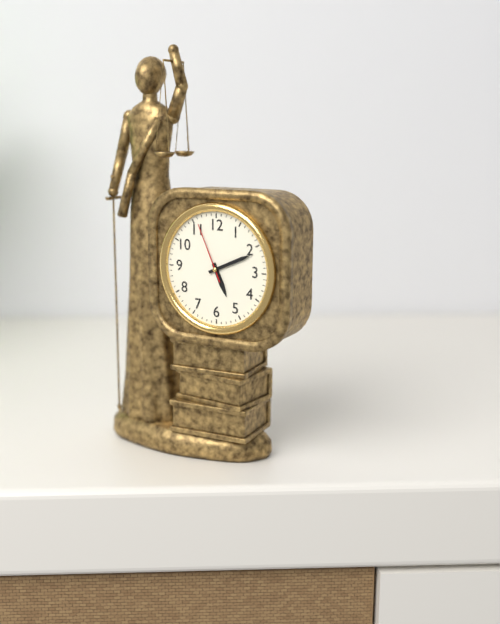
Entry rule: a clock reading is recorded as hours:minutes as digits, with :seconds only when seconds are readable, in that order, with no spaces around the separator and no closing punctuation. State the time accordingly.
5:11:56
